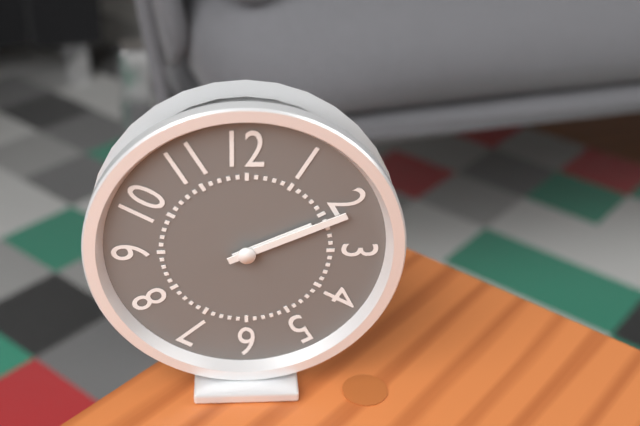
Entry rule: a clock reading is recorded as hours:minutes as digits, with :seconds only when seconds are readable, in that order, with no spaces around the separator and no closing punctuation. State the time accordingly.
2:11
